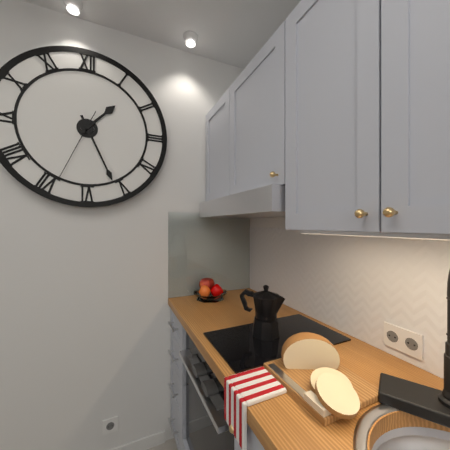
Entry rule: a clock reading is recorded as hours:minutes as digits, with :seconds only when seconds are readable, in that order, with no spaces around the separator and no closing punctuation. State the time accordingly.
1:26:34
